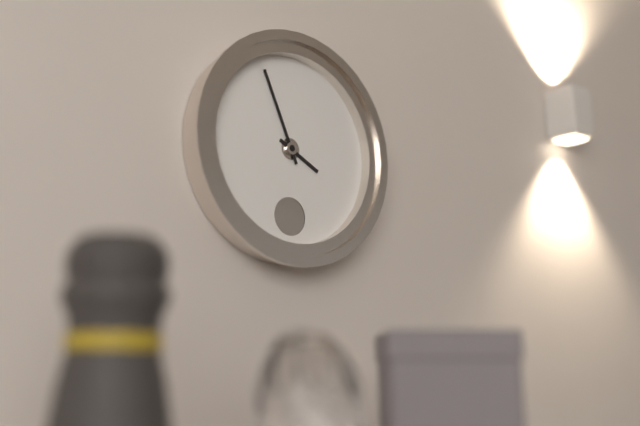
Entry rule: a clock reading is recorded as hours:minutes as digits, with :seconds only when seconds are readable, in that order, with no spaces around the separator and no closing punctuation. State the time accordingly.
3:56
